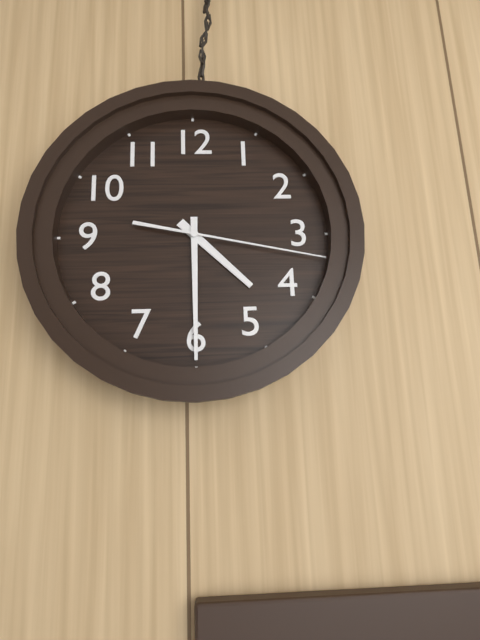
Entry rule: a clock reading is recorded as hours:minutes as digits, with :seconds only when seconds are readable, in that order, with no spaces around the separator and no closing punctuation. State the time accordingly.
4:30:17
